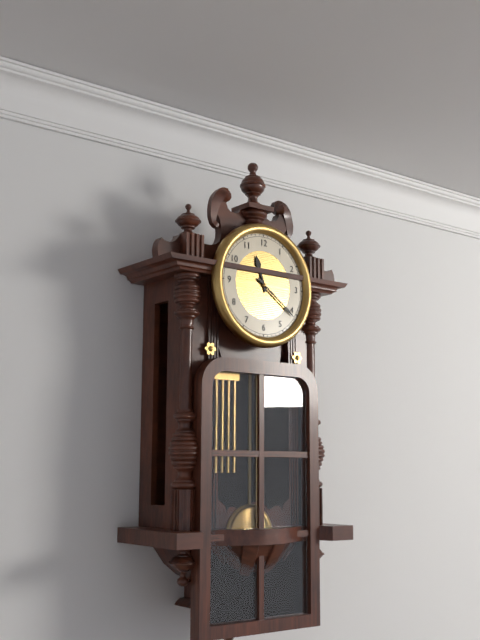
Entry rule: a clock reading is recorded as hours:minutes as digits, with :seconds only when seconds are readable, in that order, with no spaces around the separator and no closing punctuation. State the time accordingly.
11:21
